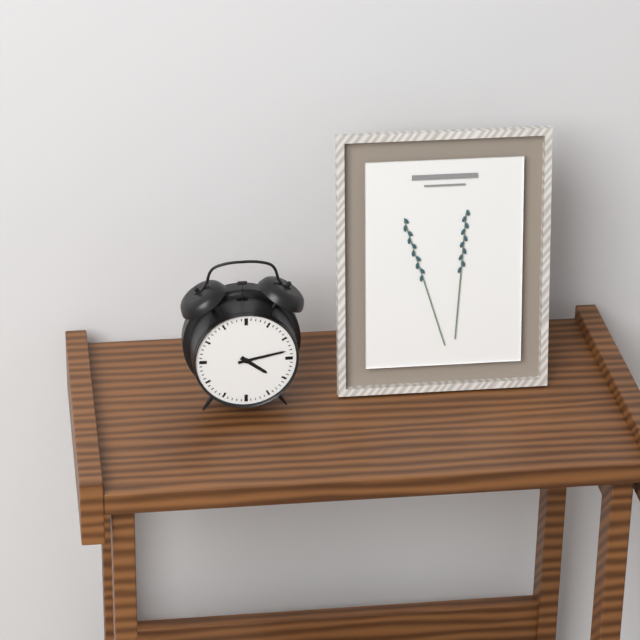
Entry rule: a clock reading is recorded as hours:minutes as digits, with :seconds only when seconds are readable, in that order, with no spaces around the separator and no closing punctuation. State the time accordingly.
4:13
